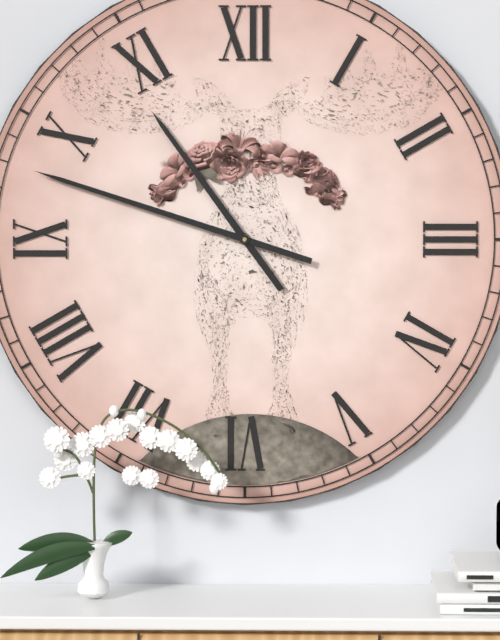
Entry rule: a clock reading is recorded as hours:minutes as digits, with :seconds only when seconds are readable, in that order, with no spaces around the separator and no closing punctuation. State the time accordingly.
10:48
